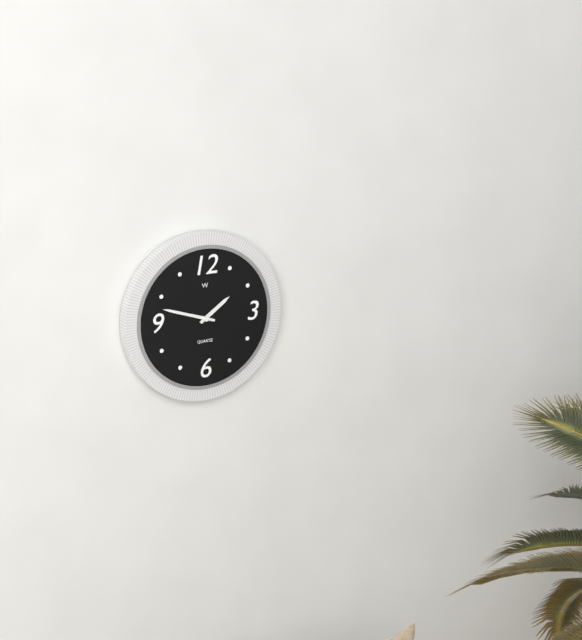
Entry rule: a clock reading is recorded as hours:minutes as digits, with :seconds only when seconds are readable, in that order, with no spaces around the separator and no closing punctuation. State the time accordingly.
1:48
